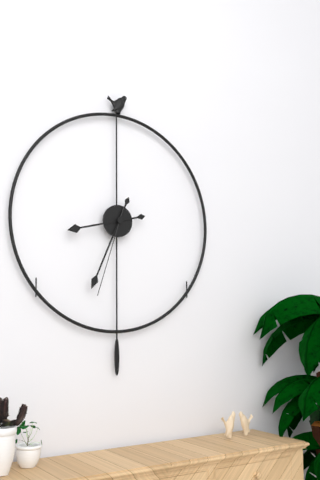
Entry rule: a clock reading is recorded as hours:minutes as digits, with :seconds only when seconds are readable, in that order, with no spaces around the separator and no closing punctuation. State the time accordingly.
8:34:33
